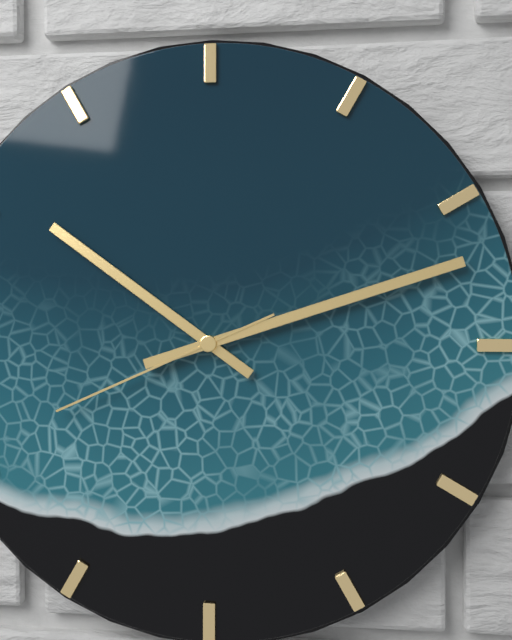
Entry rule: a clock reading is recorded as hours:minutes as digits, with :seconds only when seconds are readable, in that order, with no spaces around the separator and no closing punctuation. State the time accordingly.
10:12:41
